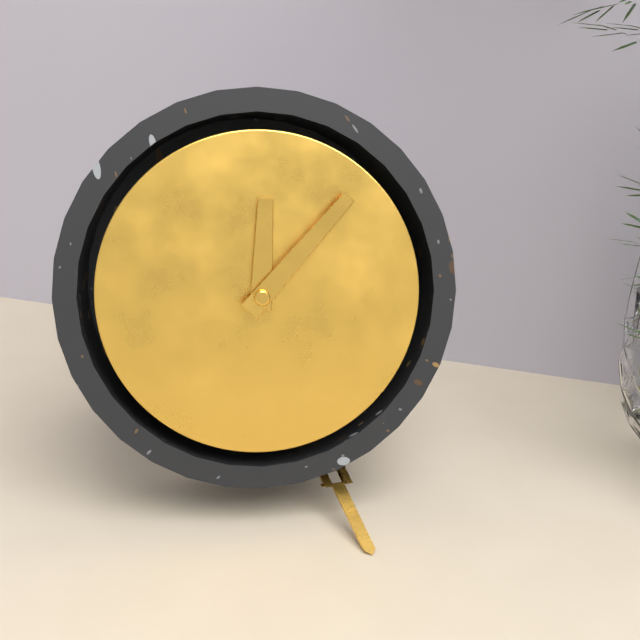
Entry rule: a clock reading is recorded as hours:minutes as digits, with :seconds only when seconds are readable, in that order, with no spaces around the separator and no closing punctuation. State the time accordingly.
12:07
